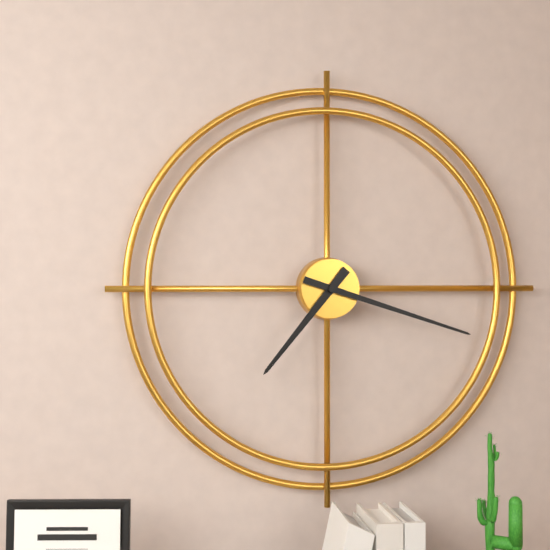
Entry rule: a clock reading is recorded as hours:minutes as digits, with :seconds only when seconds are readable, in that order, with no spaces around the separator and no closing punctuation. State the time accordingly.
7:18
